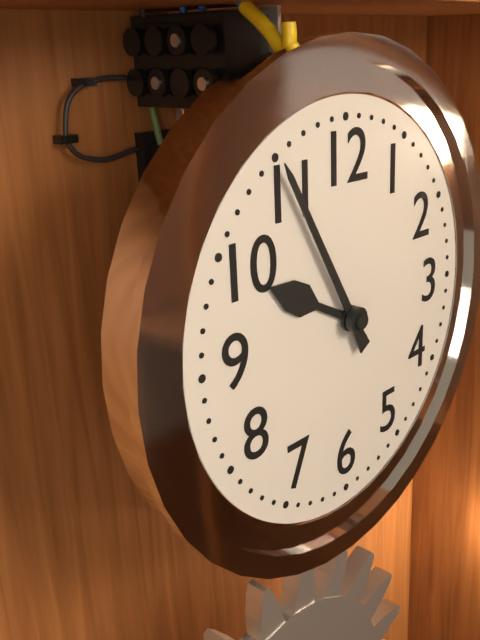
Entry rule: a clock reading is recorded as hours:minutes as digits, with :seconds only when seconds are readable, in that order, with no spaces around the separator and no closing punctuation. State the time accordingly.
9:55
